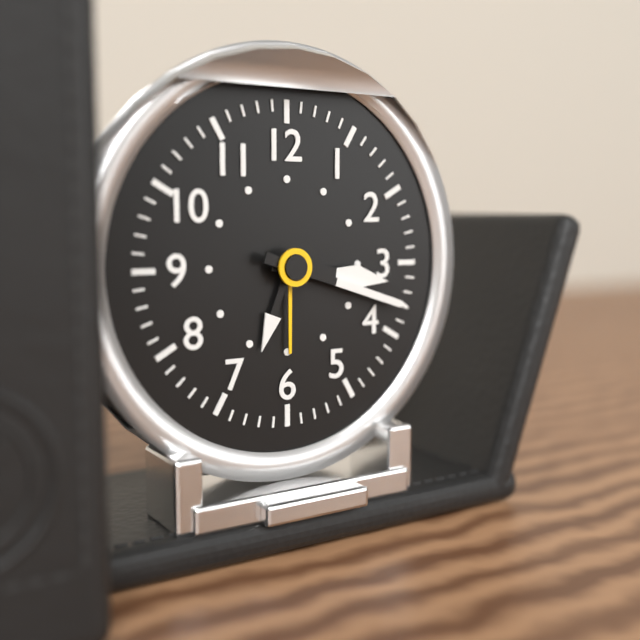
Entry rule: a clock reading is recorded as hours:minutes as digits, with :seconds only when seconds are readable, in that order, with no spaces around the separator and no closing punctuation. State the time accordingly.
3:18
